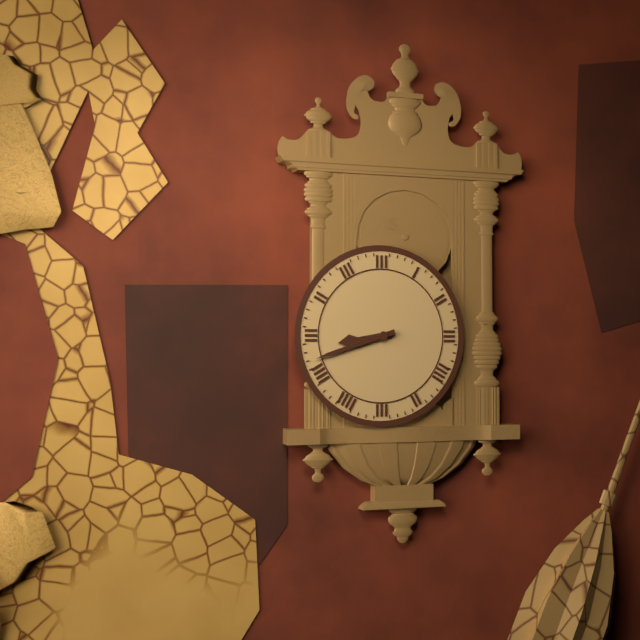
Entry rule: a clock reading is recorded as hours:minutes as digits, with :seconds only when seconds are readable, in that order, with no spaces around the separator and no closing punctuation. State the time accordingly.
8:42
